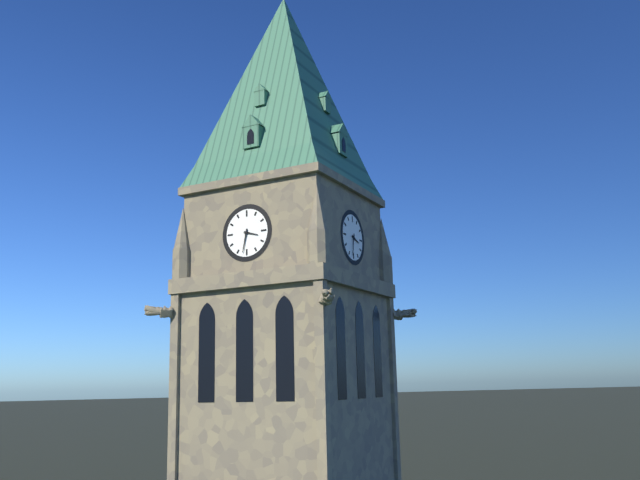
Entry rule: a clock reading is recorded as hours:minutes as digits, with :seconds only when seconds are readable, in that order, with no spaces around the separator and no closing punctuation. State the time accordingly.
3:32
